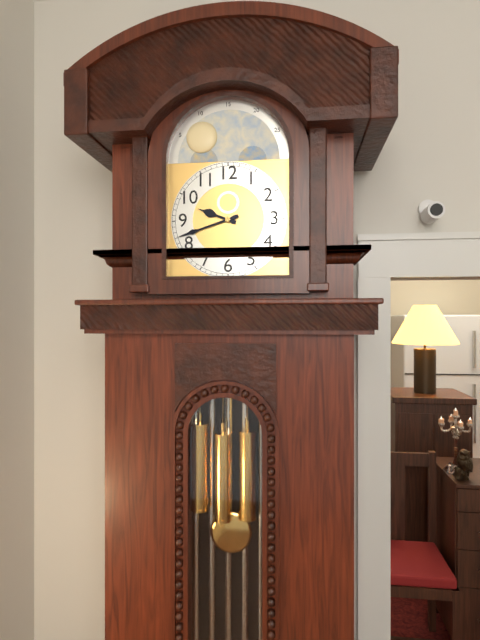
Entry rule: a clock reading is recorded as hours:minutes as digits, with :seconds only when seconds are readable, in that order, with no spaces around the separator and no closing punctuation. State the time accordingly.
9:42
